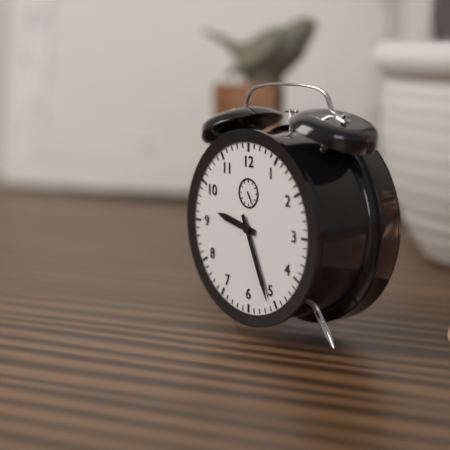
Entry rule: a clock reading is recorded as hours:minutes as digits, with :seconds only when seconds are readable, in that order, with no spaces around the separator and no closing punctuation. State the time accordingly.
9:26
